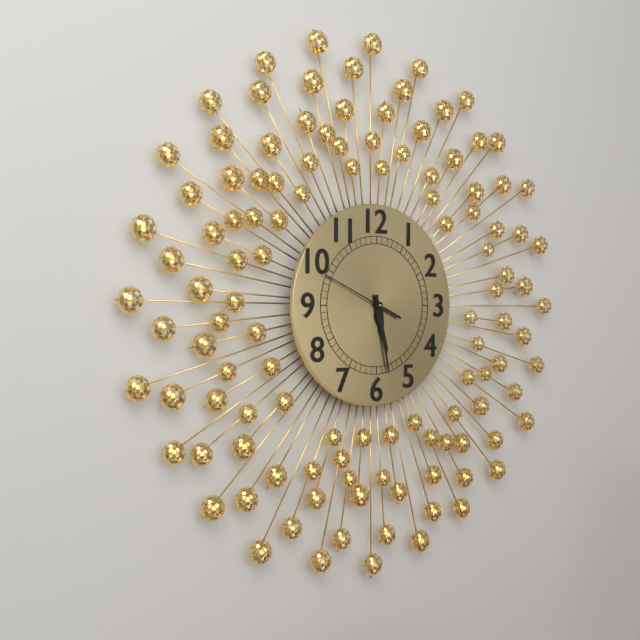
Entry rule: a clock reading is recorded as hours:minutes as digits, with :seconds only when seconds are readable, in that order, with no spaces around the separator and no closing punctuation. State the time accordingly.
5:28:49
